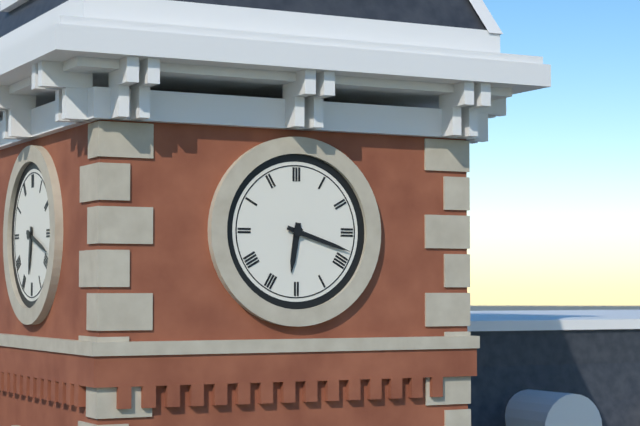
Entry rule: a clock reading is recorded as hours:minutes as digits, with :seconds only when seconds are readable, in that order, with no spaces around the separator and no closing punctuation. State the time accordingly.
6:18
